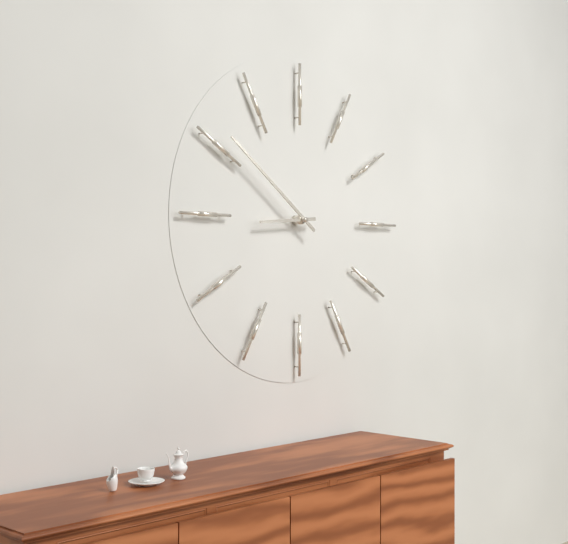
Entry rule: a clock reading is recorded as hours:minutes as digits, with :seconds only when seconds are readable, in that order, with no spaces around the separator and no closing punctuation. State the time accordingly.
8:51
